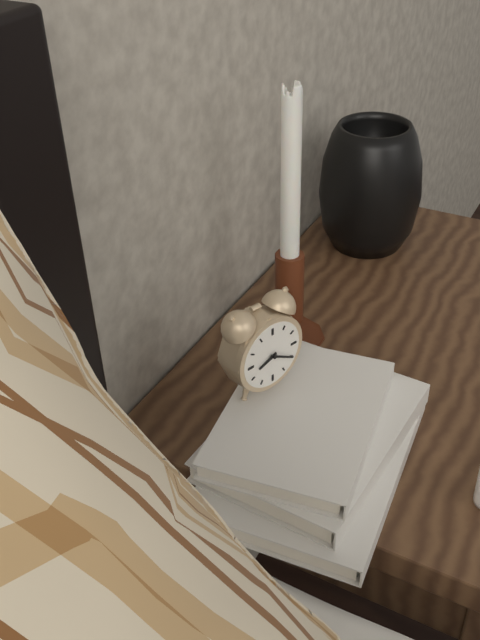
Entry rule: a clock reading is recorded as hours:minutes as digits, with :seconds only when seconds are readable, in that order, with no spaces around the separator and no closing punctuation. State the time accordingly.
8:20
